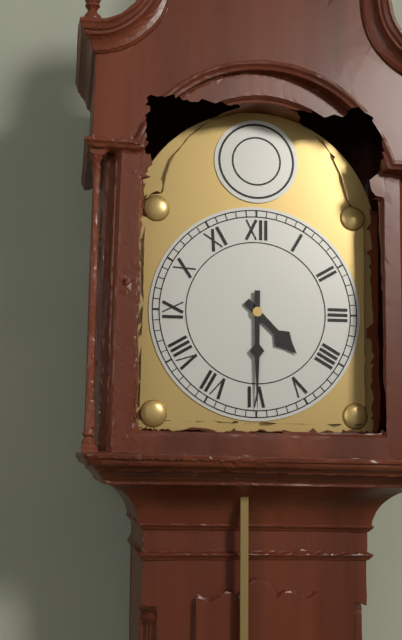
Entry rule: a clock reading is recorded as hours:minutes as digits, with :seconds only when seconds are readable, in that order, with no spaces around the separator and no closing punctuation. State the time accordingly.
4:30
